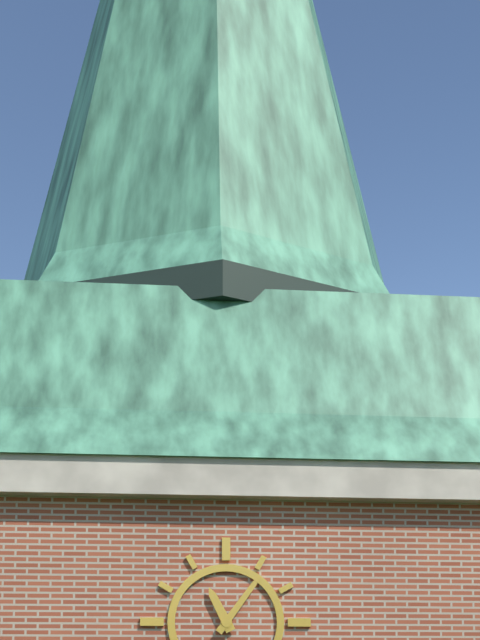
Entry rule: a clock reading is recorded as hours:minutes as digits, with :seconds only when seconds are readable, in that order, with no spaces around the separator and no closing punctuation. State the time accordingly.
11:06
